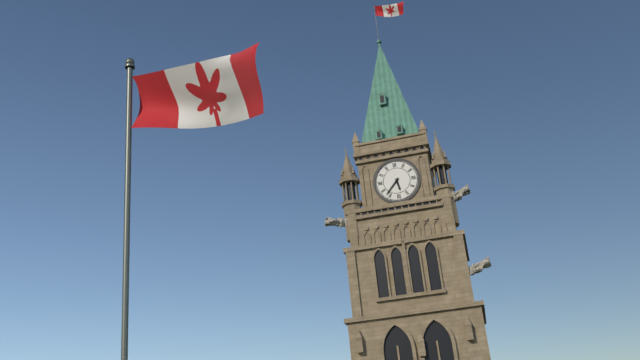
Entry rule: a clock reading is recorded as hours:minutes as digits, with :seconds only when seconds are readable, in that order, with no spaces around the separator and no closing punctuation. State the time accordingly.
5:37
